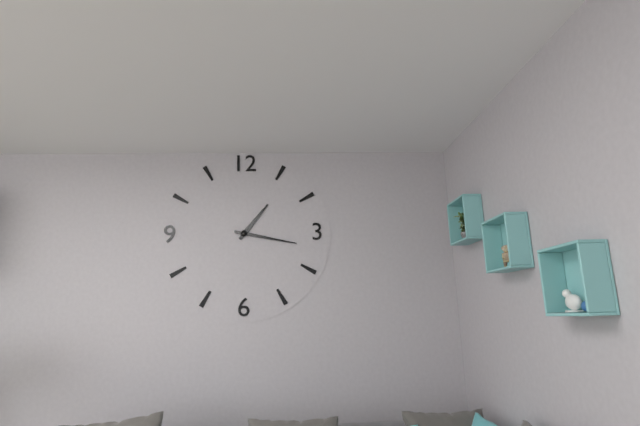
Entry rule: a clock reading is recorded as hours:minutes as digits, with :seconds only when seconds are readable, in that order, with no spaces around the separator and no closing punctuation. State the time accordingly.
1:17
